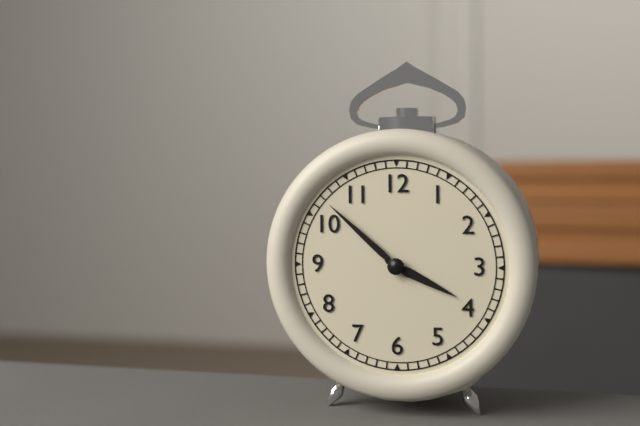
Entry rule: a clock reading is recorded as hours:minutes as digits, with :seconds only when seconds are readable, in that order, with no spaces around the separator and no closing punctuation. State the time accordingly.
3:52
